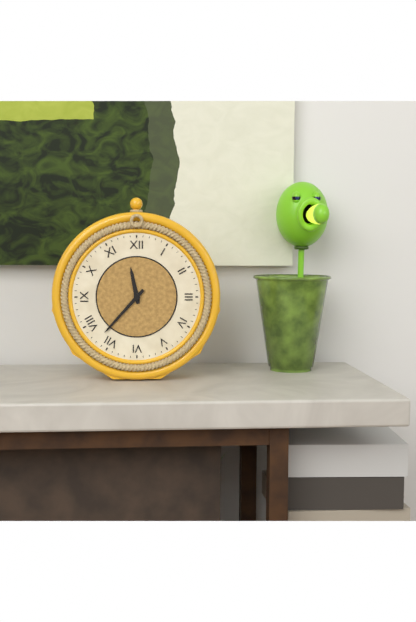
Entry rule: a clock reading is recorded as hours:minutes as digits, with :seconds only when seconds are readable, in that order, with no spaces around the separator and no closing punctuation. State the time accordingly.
11:37
